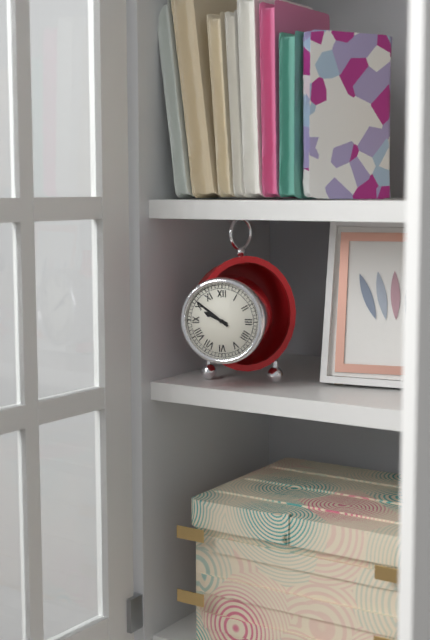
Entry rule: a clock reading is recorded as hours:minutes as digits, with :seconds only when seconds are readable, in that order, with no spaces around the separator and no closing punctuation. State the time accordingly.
9:51
